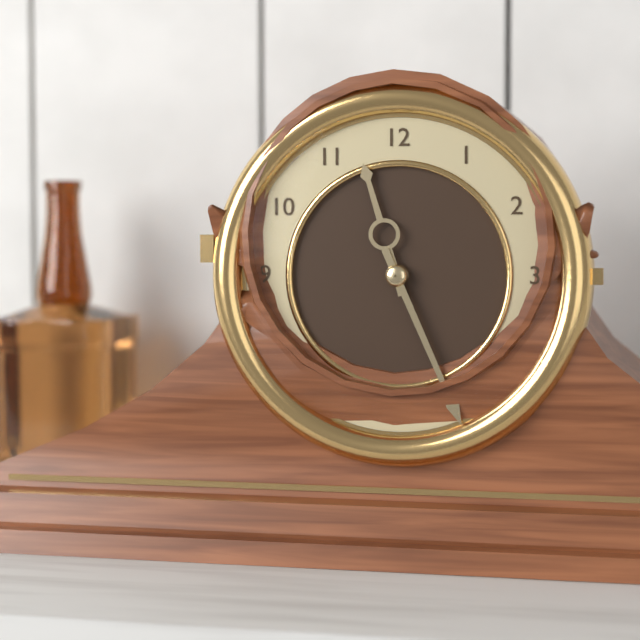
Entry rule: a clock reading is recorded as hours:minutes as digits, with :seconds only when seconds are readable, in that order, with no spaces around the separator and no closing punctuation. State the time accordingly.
11:26
